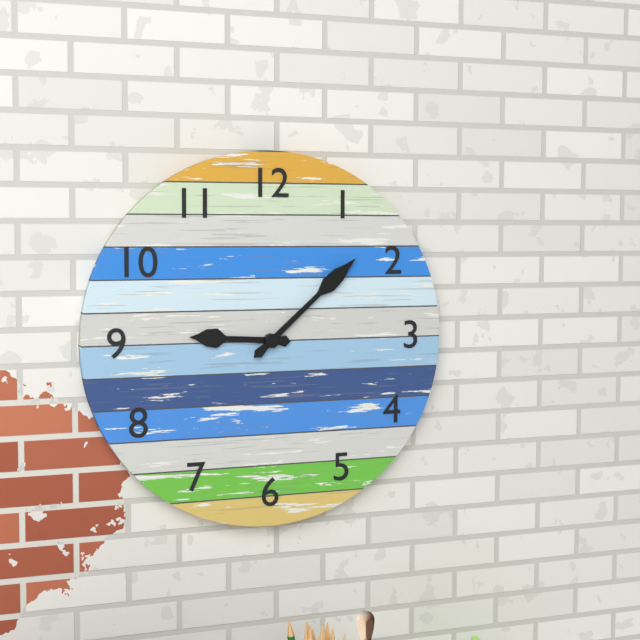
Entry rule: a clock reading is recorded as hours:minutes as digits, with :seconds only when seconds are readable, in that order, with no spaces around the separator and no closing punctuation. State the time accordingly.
9:08
